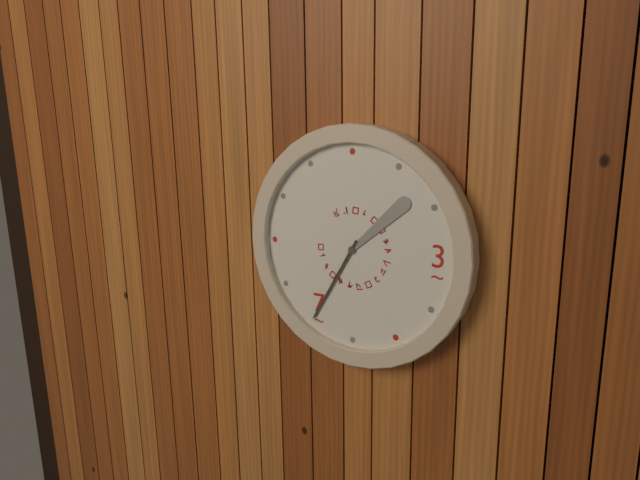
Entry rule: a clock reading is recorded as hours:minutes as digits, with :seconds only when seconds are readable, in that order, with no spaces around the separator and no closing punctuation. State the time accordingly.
1:35
